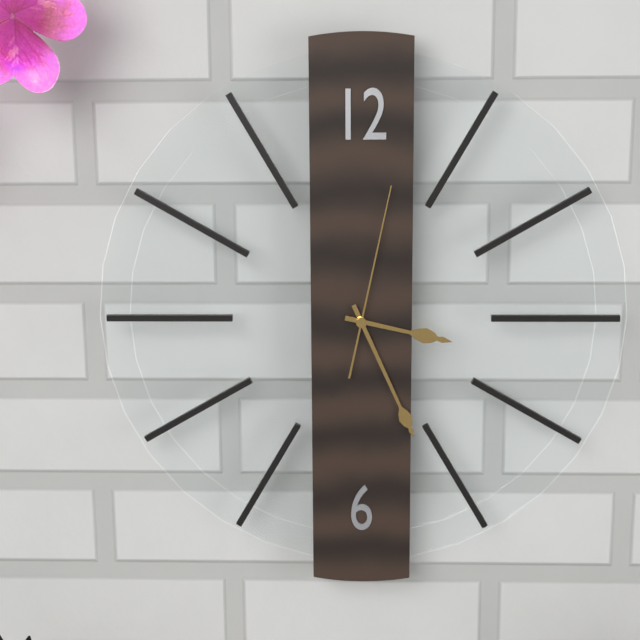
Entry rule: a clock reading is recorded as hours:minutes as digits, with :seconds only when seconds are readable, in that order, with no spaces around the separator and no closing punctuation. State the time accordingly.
3:26:02
